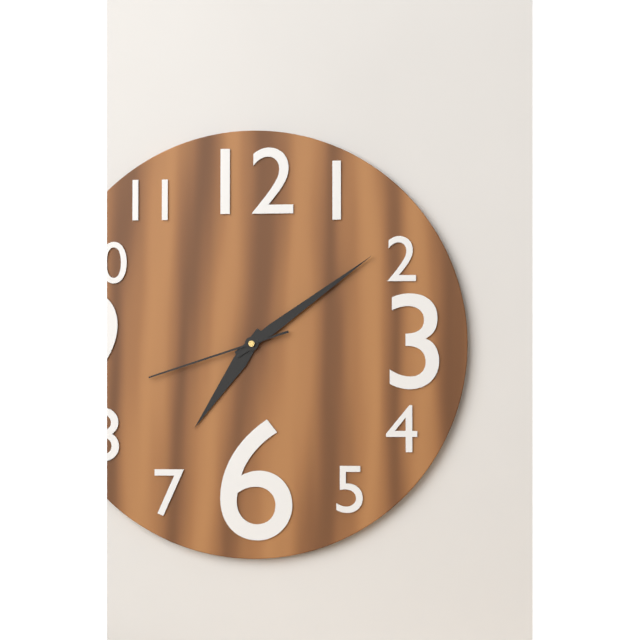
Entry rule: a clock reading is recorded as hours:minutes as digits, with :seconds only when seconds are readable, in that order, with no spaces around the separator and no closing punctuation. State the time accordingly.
7:09:42
